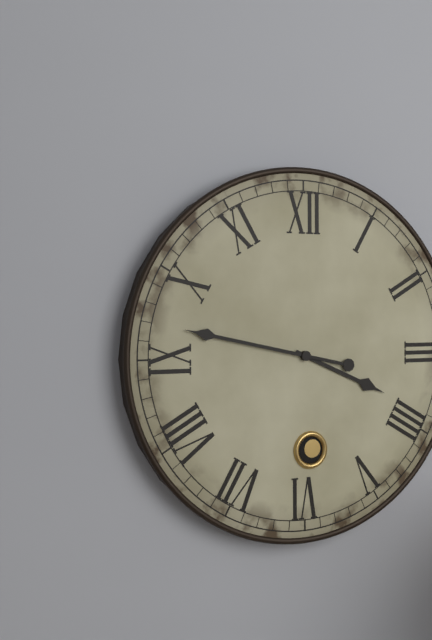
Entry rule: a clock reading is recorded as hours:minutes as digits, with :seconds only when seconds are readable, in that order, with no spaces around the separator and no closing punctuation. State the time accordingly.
3:47
